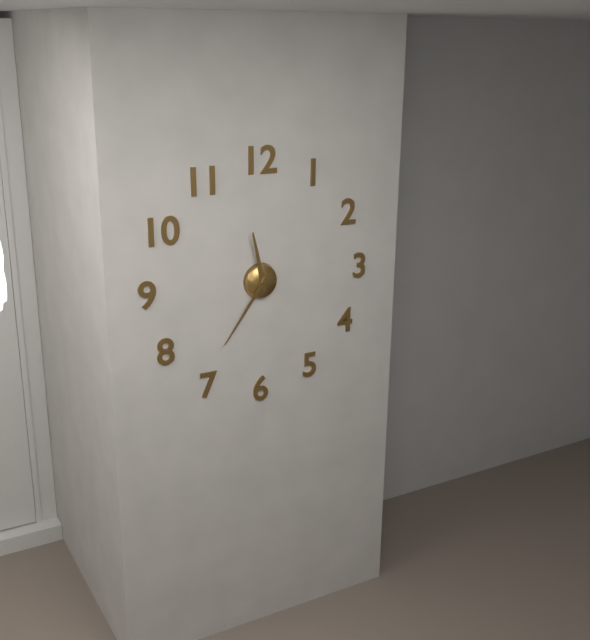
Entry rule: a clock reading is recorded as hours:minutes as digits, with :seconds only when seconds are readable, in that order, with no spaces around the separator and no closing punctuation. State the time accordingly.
11:36
